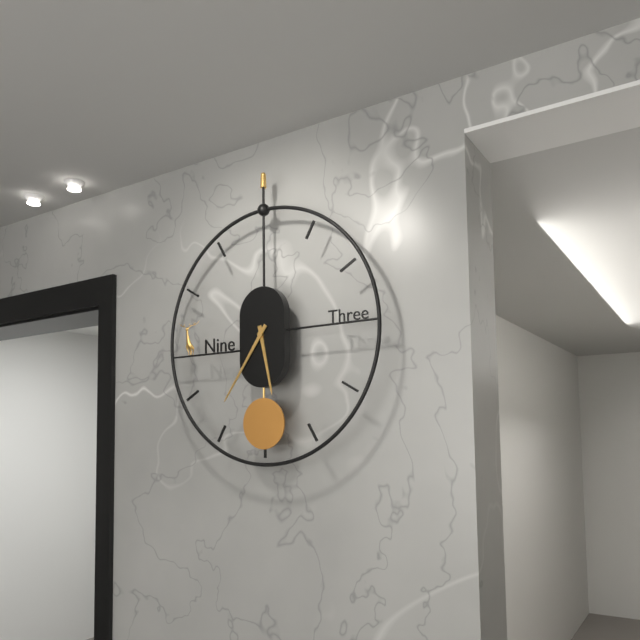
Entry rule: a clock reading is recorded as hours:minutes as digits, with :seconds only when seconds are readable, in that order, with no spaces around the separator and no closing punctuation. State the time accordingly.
5:36
